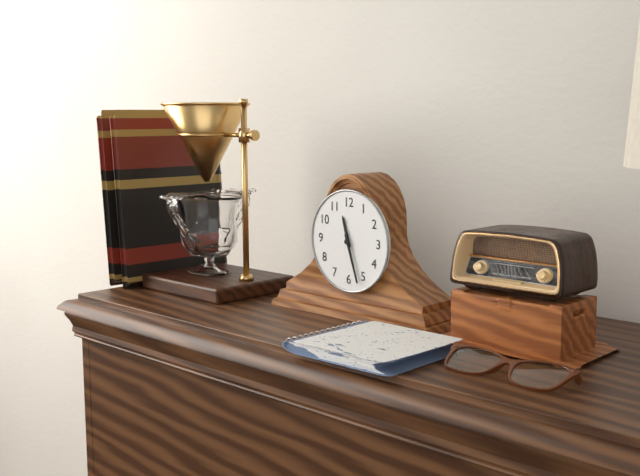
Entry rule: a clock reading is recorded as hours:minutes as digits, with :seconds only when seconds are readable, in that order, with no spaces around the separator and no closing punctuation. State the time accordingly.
11:27
